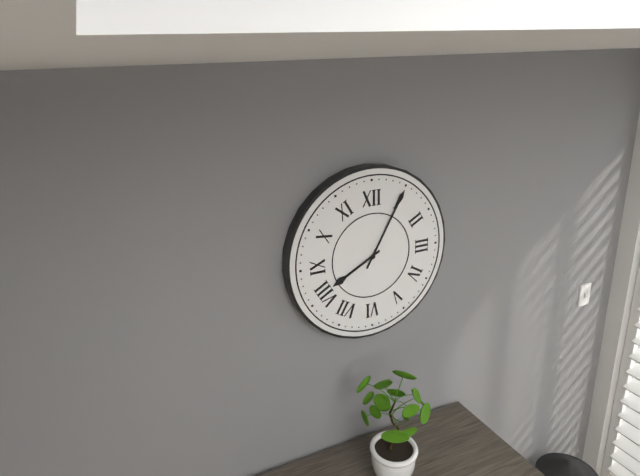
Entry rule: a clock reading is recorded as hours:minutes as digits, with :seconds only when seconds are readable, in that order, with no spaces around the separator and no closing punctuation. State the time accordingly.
8:05
